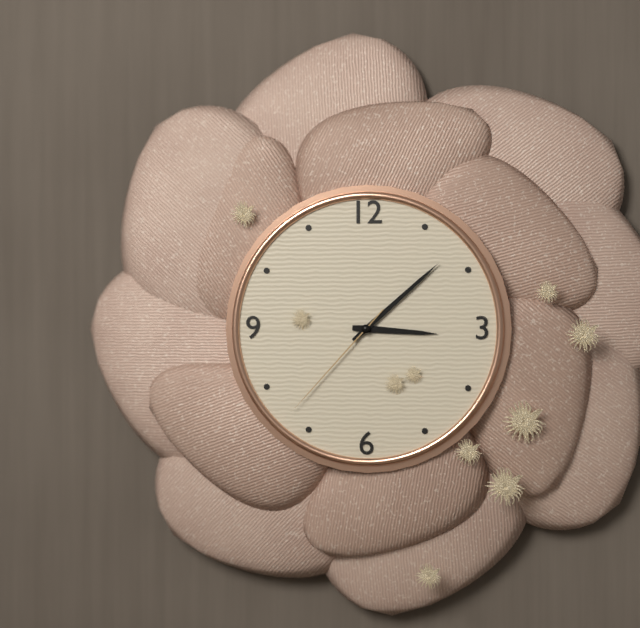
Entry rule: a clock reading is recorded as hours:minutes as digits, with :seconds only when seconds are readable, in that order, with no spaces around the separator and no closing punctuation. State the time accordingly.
3:08:37
